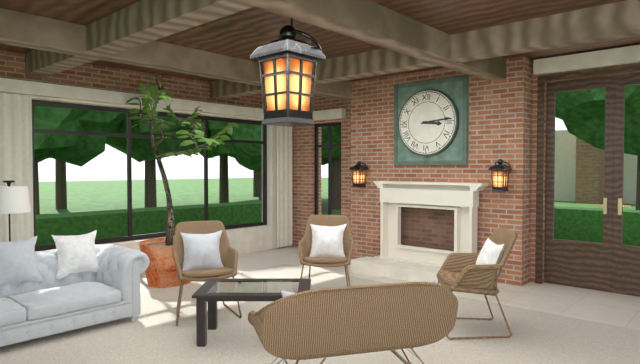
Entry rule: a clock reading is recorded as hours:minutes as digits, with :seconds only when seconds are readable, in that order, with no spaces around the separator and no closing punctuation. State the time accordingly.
3:14
